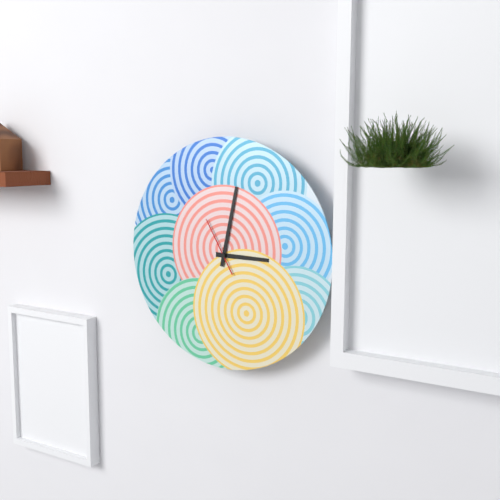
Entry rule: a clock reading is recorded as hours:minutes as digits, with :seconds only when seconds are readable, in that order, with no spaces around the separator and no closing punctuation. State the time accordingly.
3:02:55
